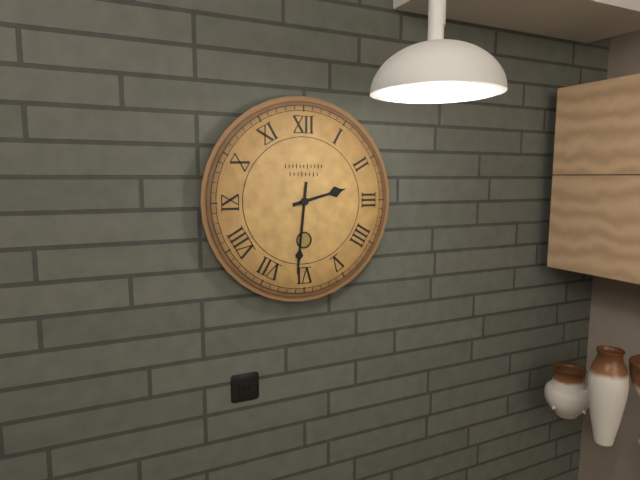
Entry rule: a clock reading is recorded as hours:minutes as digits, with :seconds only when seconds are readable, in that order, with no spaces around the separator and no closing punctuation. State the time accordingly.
2:31
